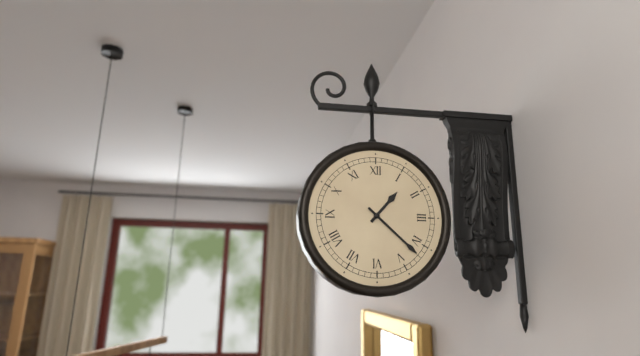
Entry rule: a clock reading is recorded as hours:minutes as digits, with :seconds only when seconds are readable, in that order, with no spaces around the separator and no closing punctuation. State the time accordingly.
1:22
